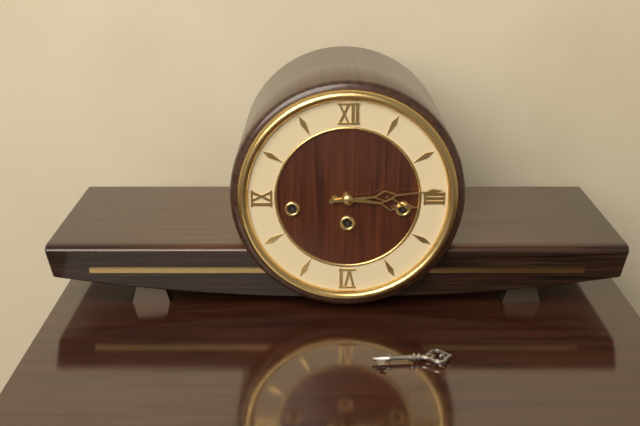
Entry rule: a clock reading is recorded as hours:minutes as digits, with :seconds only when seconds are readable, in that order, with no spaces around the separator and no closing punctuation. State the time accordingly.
3:14
